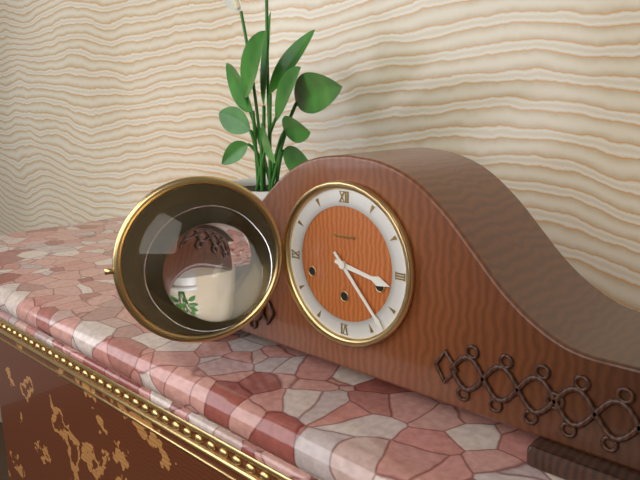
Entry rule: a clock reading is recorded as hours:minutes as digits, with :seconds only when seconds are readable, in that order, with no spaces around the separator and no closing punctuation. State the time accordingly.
3:23
